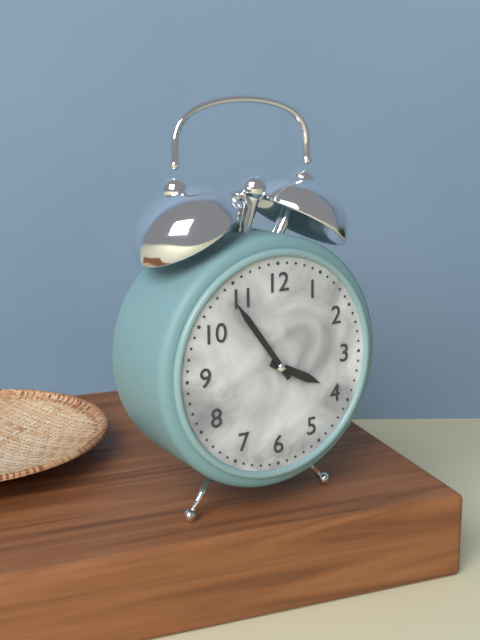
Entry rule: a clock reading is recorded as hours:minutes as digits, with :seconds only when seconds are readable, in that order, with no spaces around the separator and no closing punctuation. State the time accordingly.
3:54
